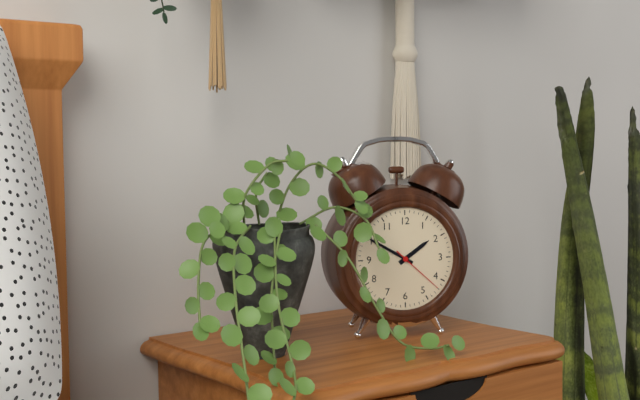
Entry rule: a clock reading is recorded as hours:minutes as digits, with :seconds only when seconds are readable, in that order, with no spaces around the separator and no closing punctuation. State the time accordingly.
1:50:22
